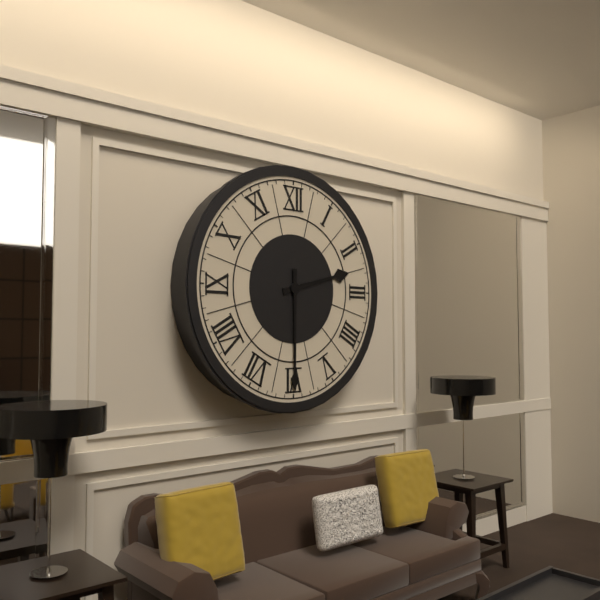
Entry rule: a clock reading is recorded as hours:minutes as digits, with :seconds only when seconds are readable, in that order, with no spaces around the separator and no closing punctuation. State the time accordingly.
2:30
